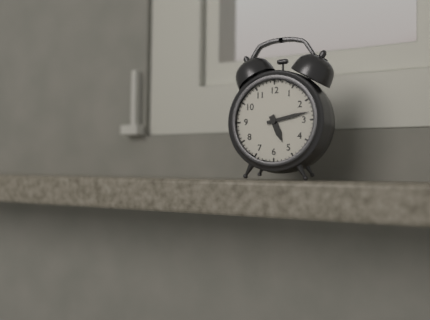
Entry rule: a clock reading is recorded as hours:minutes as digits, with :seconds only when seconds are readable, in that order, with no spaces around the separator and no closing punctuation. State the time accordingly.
5:13
